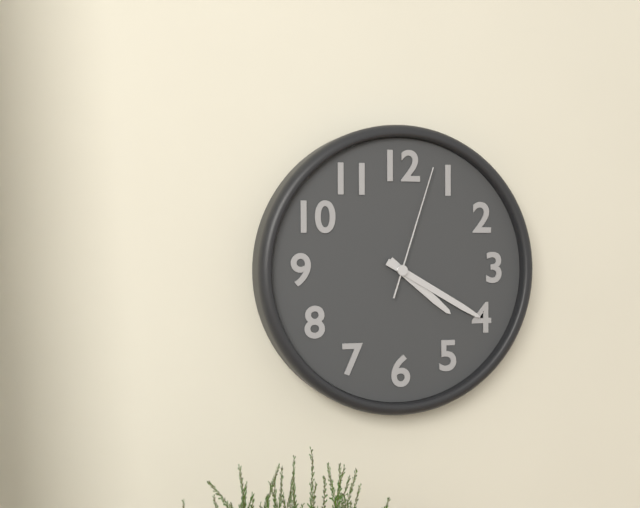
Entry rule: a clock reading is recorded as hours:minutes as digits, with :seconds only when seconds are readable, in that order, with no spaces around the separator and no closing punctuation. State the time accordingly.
4:20:03
